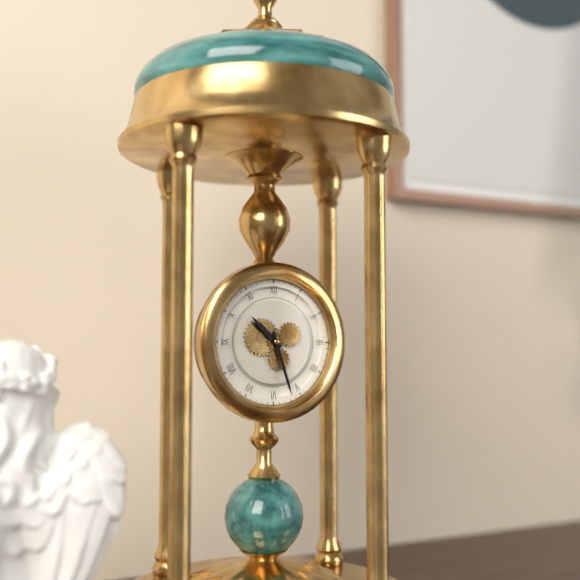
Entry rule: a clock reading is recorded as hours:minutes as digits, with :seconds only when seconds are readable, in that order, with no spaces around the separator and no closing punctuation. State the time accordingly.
10:27
